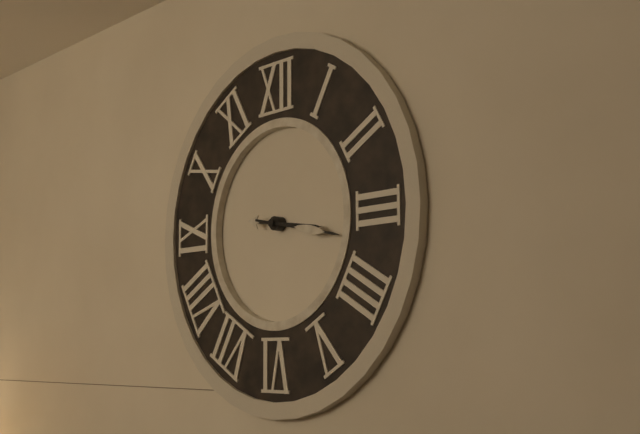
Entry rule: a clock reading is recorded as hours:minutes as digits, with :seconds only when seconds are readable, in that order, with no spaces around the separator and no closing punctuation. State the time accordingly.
3:17
